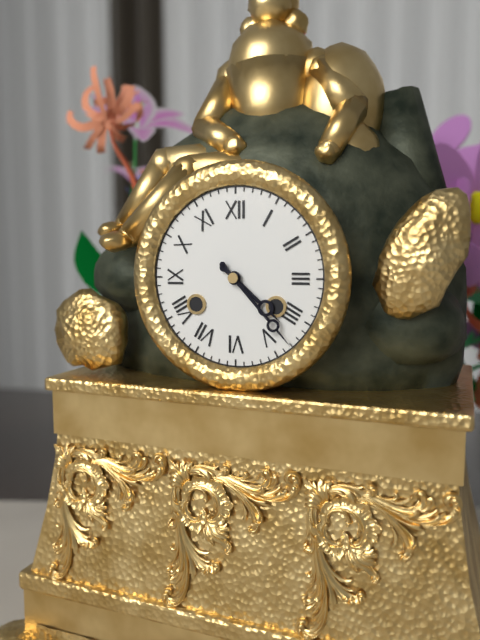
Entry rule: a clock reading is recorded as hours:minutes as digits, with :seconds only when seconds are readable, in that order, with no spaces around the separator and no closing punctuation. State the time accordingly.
4:23
